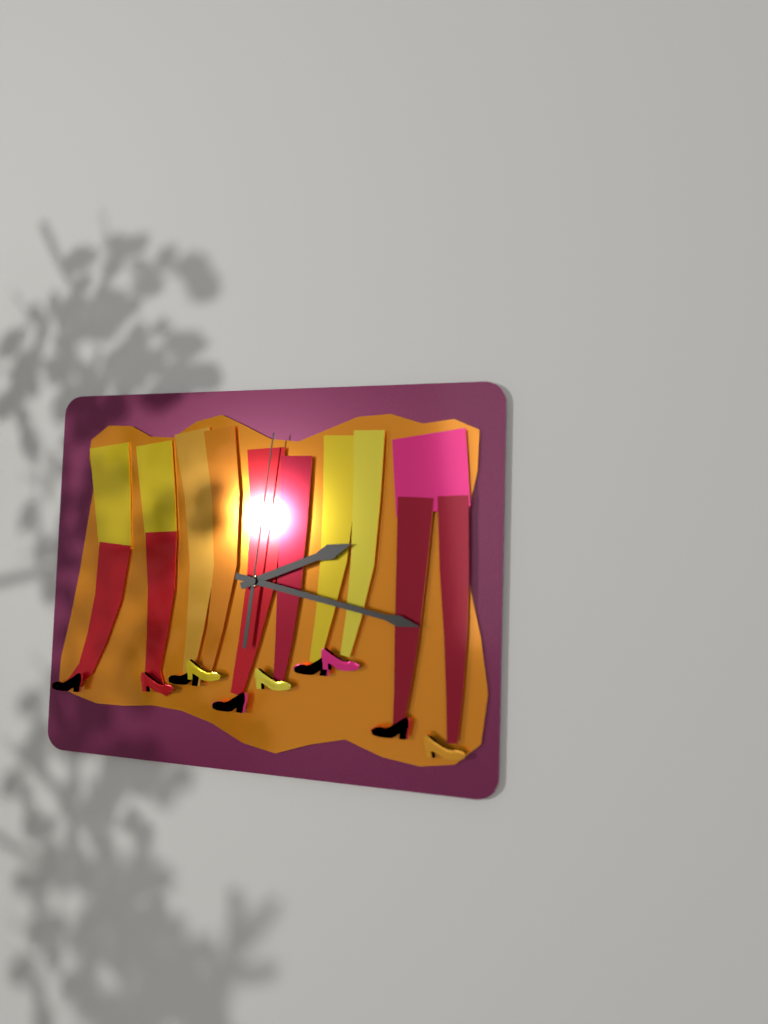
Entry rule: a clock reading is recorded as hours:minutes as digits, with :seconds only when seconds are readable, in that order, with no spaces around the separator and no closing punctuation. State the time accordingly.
2:17:01
